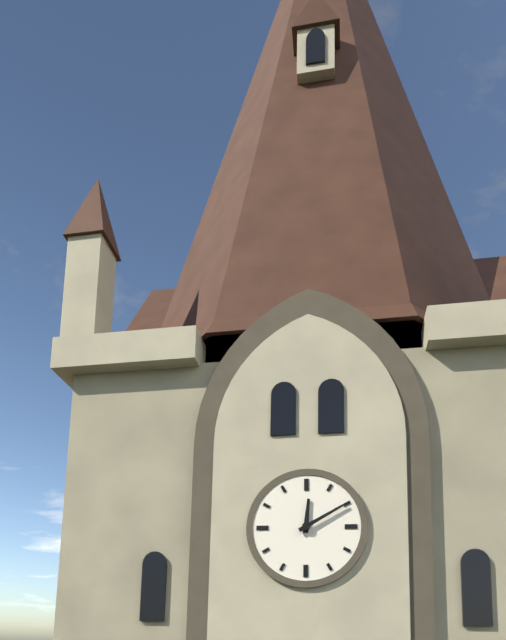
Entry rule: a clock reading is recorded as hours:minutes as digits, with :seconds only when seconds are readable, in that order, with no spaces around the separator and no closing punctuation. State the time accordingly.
12:10
